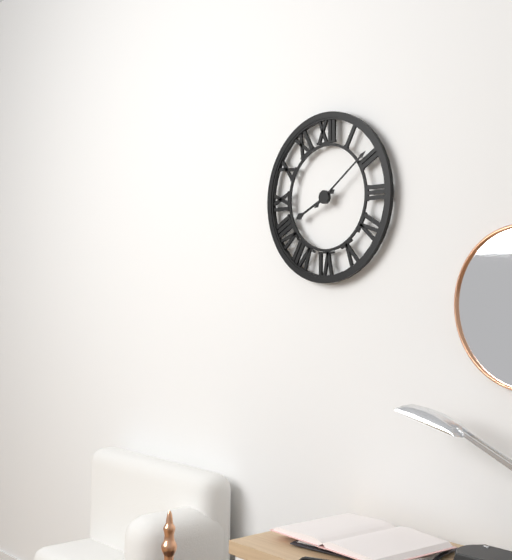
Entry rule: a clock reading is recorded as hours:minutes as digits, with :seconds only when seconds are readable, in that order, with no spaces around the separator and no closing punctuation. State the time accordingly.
8:09
